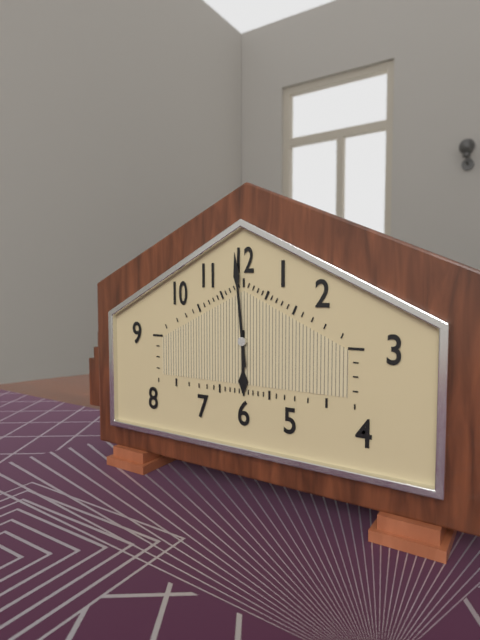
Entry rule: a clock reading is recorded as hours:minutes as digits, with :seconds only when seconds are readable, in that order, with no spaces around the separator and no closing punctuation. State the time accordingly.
5:59
